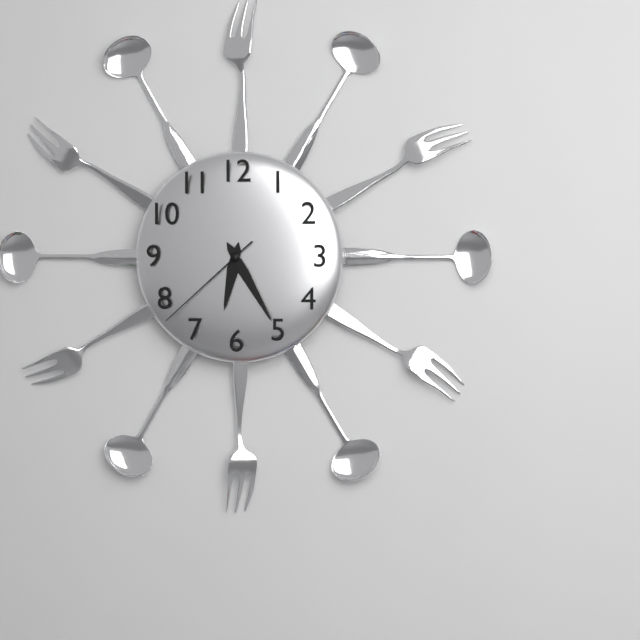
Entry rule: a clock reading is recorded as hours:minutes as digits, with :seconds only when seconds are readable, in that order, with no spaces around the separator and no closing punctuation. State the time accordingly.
6:25:38
